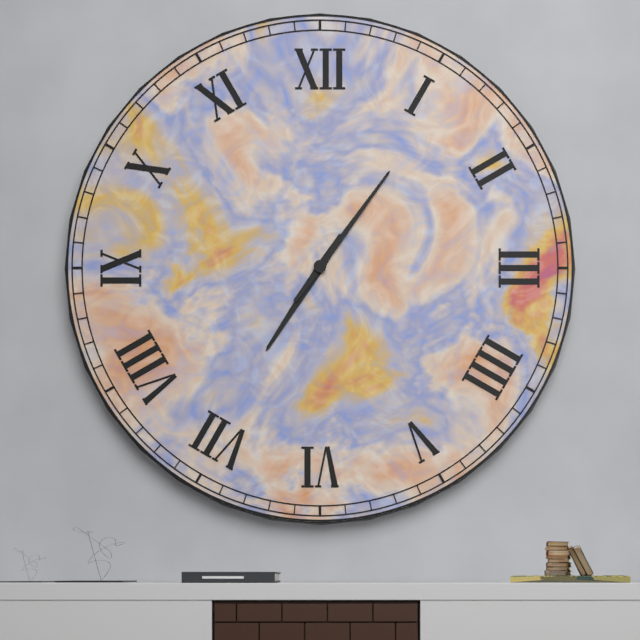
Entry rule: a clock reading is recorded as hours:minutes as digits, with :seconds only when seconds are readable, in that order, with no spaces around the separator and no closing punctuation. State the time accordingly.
7:06
